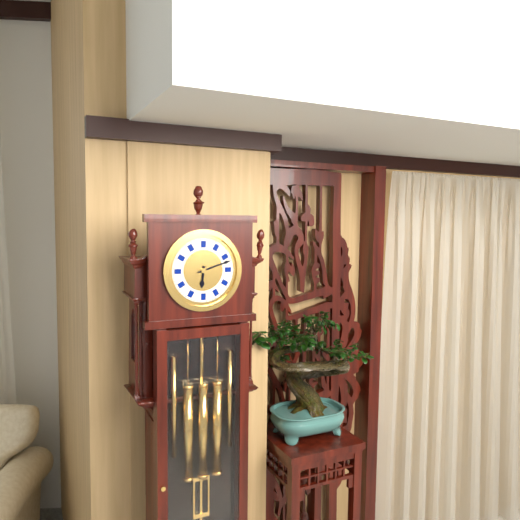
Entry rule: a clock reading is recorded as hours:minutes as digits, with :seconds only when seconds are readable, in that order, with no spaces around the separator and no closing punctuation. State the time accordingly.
6:12
